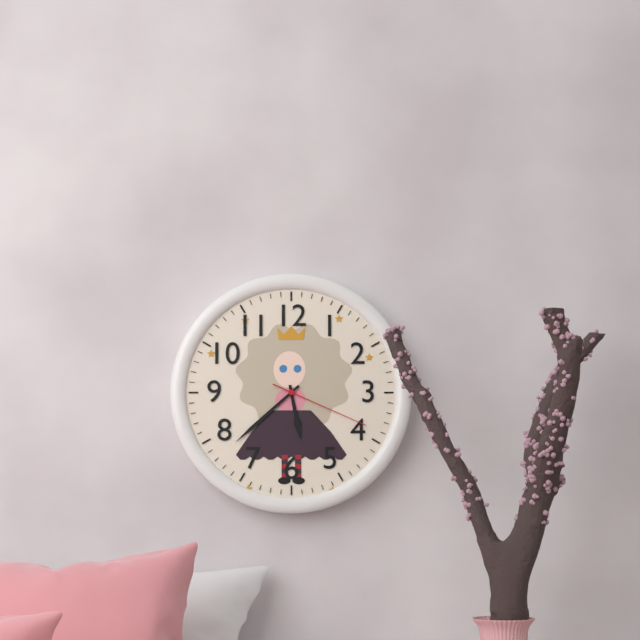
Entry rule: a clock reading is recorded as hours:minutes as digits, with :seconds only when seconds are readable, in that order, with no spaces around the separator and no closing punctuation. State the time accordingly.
5:38:19
